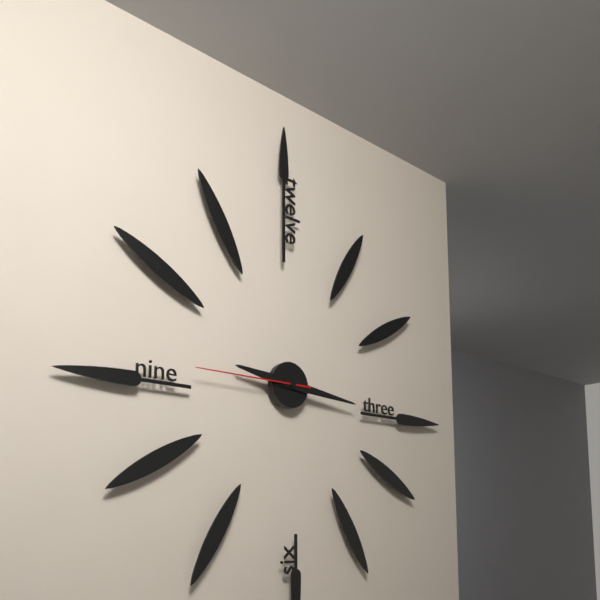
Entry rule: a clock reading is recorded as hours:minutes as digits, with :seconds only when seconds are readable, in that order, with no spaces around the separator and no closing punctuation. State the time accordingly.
9:16:45
